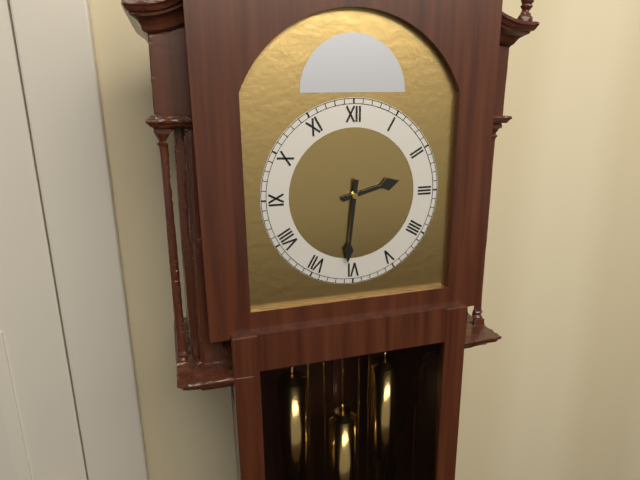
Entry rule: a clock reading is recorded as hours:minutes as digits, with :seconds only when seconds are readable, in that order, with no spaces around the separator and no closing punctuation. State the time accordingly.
2:31
